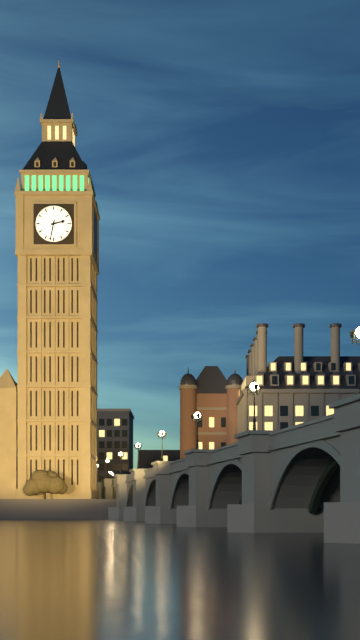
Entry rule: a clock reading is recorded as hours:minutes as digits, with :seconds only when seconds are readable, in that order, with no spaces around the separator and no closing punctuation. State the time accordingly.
2:32
